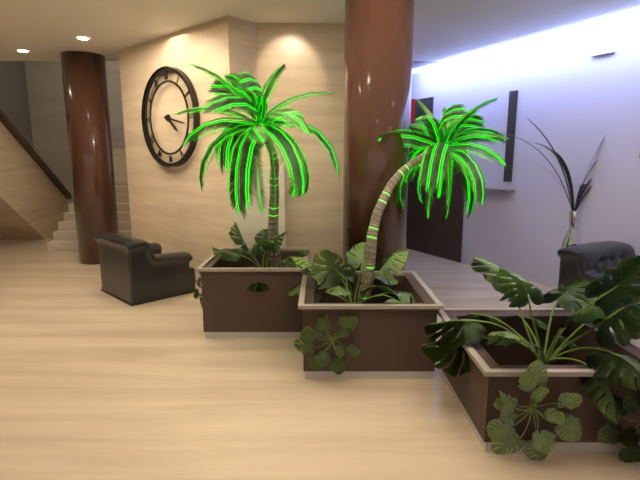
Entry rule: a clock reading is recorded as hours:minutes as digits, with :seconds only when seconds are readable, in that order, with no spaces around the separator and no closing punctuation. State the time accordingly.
4:17
